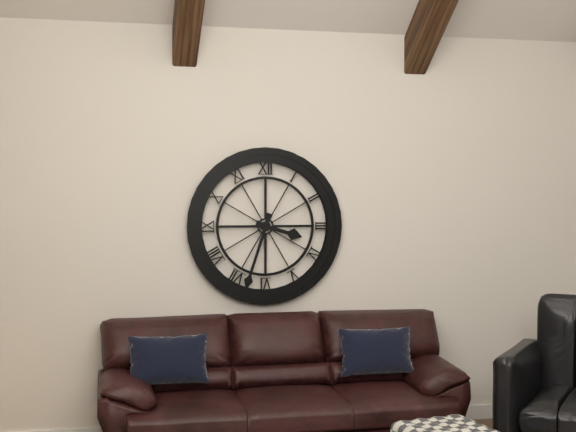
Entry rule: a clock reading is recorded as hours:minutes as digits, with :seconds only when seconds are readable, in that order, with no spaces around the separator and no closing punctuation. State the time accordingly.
3:33
